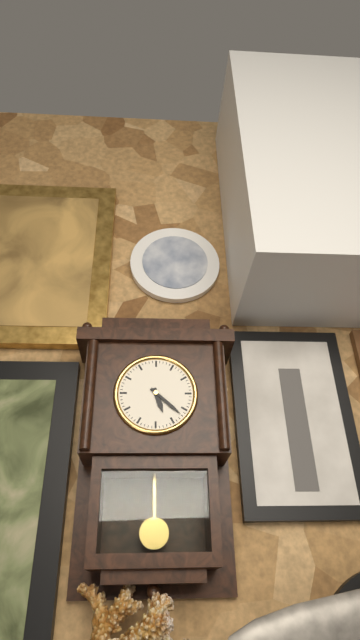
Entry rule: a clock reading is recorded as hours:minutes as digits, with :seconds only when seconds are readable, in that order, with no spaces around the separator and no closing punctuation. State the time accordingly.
5:22
